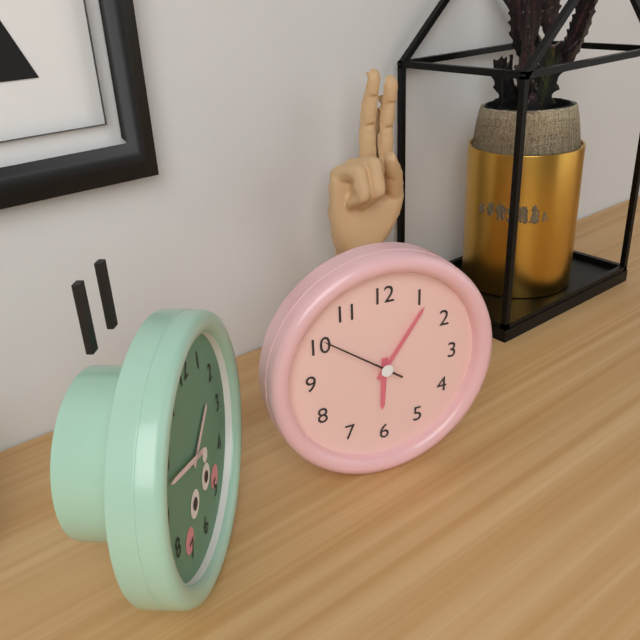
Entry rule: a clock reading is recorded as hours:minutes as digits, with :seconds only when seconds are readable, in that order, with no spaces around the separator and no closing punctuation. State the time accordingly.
6:06:51
